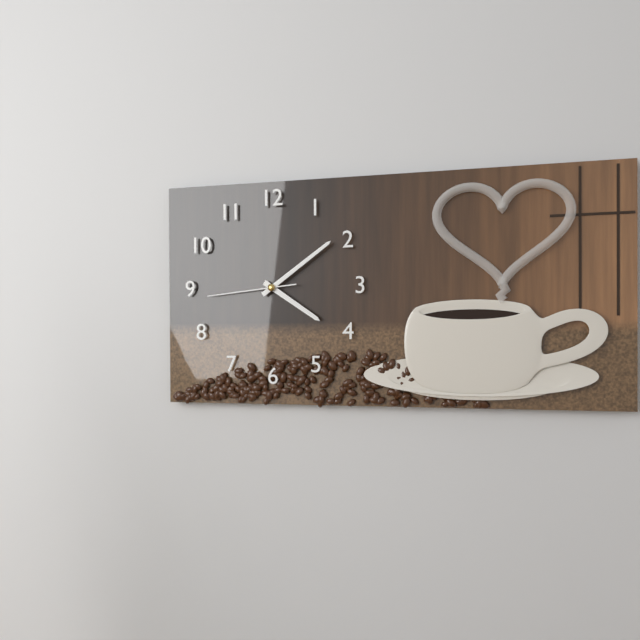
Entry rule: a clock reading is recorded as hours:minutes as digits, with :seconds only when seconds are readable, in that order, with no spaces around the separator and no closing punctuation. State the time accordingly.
4:09:44
